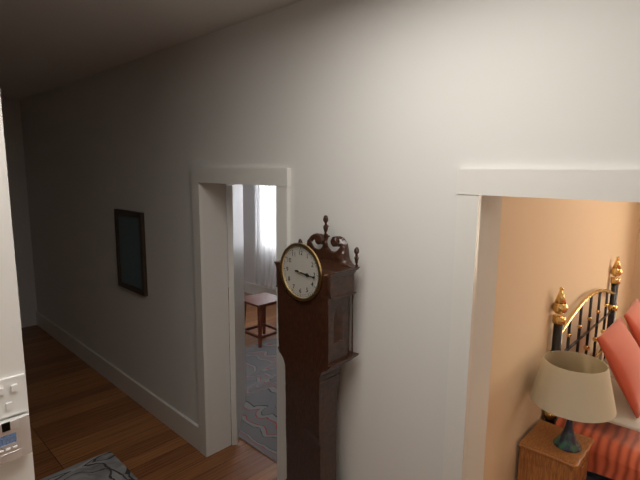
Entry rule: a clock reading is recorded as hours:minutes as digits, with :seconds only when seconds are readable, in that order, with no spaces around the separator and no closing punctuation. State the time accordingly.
3:16
